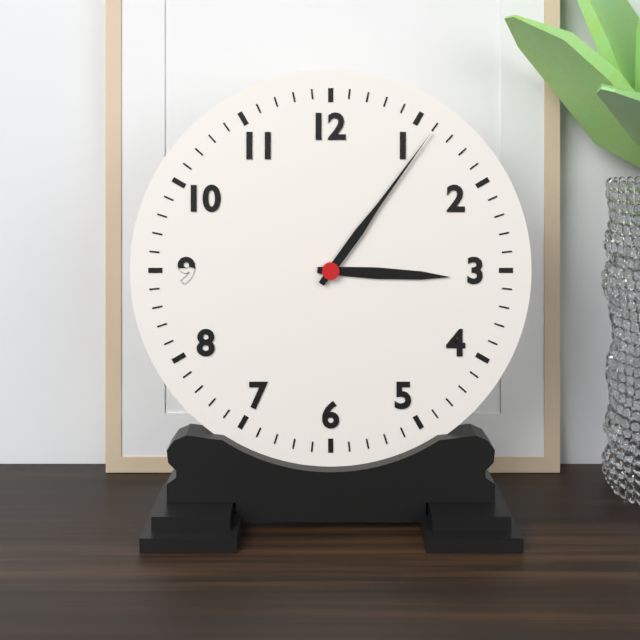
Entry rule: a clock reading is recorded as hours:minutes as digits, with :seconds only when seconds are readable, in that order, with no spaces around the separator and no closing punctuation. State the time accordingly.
3:06
